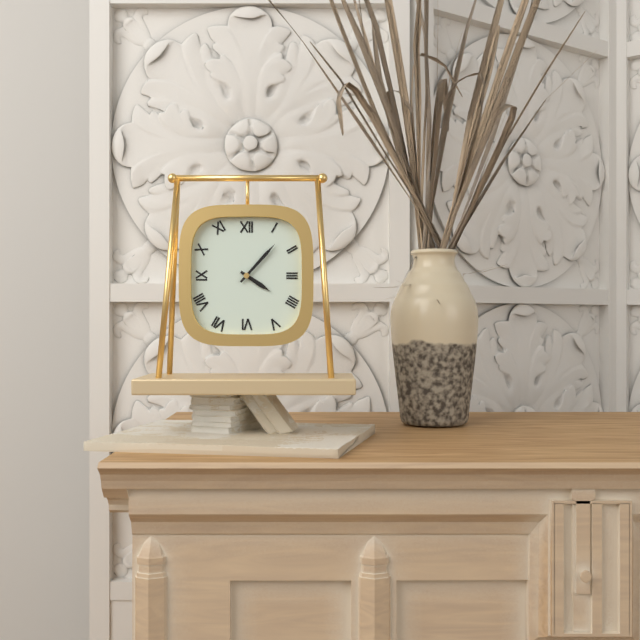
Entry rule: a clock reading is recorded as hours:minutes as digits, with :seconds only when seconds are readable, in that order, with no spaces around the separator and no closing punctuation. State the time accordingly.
4:07
